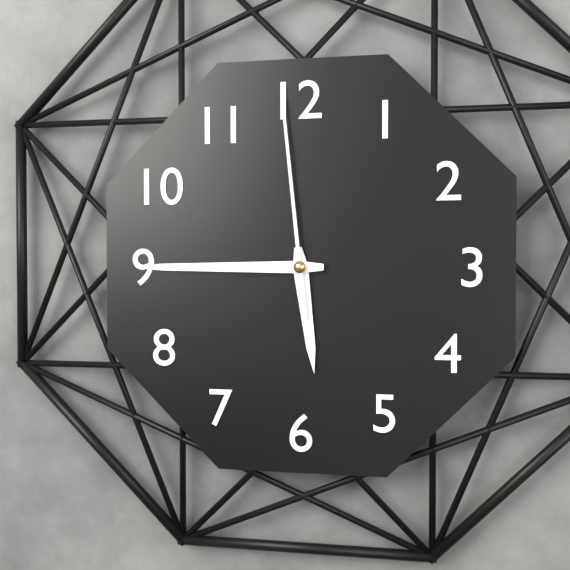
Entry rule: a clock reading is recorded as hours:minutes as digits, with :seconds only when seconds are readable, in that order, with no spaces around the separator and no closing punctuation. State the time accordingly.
5:45:59
